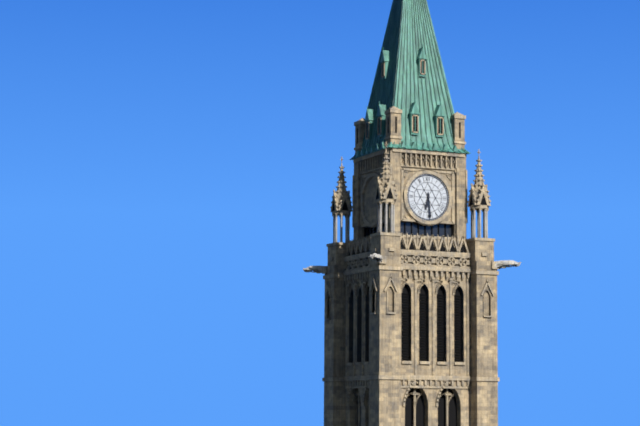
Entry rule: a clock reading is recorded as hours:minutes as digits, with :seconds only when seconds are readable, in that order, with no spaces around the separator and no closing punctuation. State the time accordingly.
6:29
